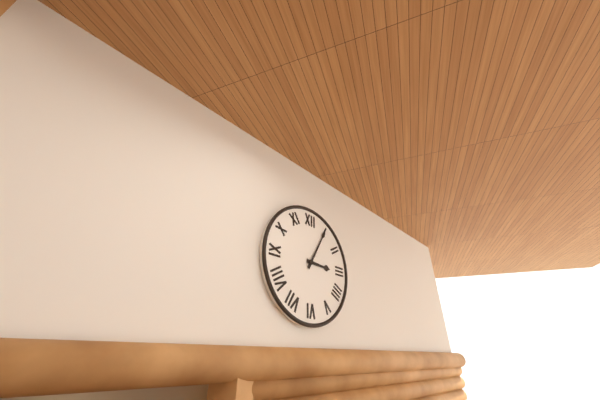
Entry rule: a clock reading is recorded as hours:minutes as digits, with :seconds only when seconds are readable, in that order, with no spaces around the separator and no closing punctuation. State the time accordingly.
3:05
